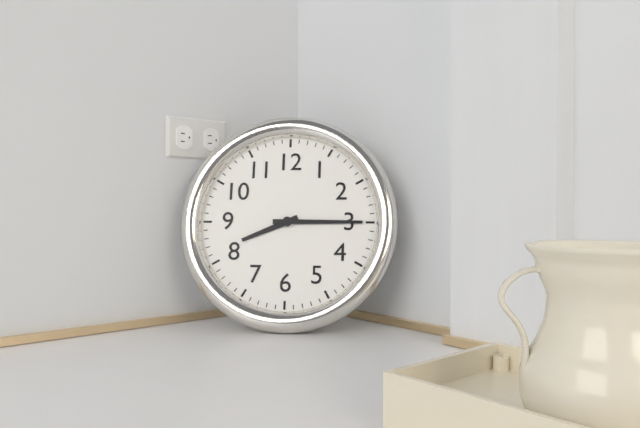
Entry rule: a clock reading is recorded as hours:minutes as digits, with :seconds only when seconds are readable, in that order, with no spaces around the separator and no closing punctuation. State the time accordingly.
8:15
